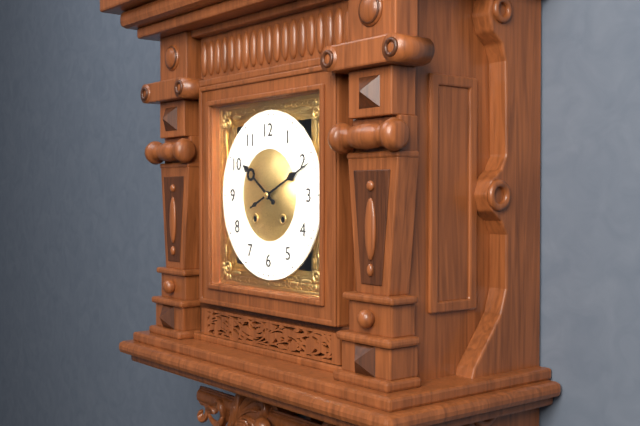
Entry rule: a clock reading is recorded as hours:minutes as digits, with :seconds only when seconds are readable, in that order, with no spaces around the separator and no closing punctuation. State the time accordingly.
10:11
